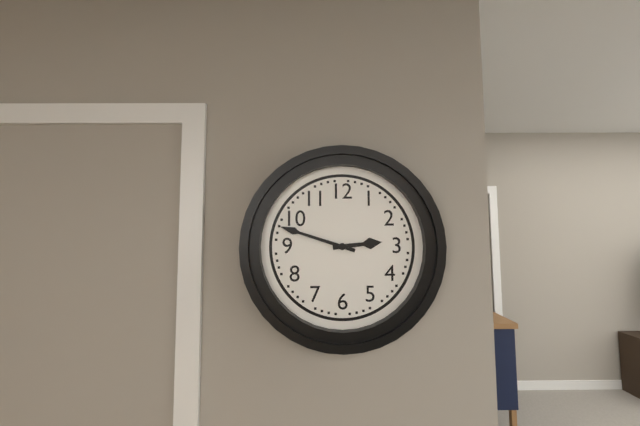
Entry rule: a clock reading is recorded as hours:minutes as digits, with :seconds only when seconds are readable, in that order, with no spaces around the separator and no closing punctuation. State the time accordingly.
2:48
